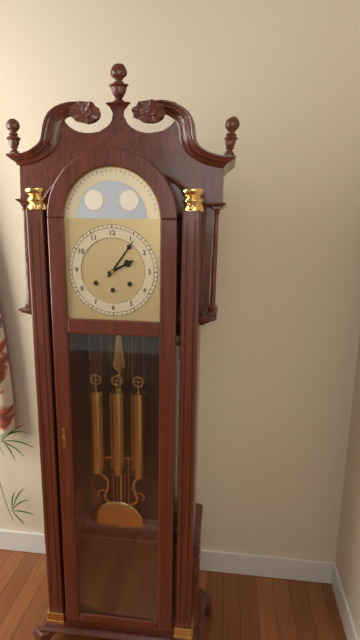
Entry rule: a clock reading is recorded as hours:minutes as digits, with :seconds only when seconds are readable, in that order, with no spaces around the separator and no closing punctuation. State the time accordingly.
2:06
